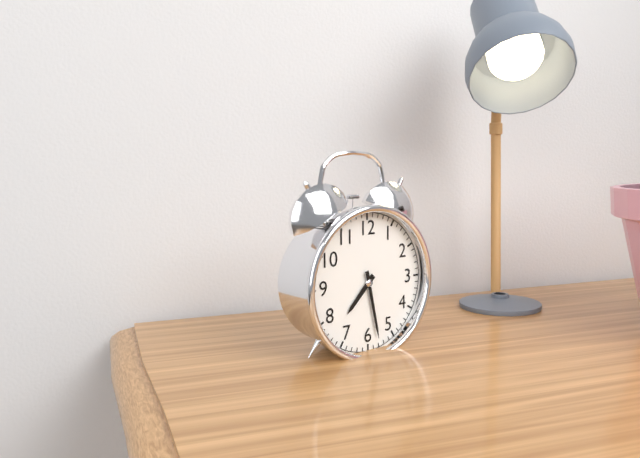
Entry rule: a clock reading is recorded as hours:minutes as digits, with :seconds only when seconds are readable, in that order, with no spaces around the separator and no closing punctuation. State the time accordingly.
7:28
